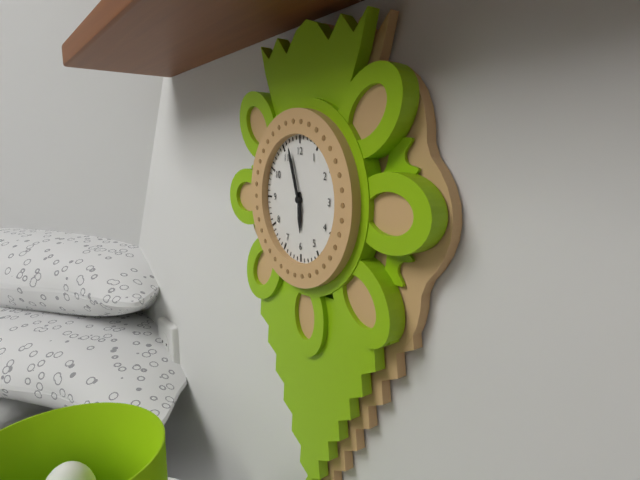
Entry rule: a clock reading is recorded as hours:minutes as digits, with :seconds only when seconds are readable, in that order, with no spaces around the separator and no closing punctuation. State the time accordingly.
5:57
